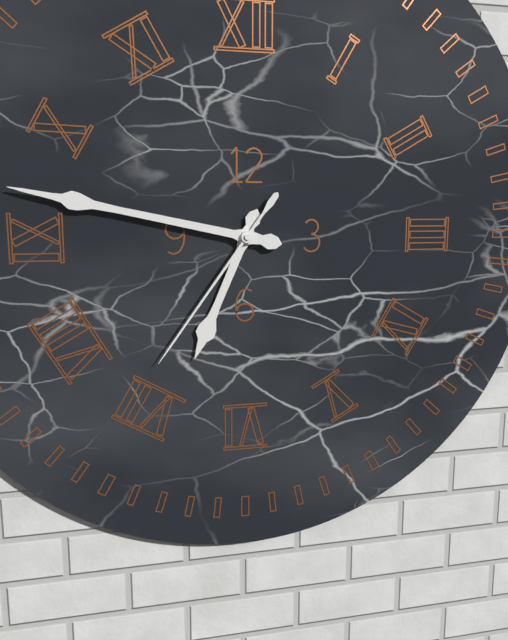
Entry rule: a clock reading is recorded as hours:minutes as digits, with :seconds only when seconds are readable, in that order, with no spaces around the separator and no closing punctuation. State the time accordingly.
6:47:36
